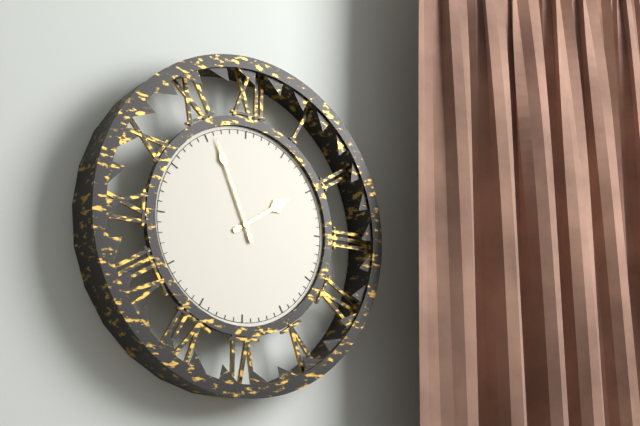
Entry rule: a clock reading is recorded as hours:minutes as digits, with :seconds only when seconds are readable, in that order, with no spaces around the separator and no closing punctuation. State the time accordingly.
1:56
